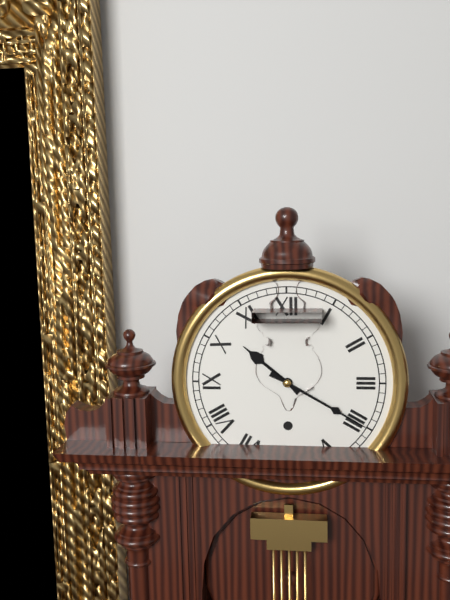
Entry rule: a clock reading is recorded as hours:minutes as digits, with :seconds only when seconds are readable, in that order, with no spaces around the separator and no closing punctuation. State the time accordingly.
10:20
